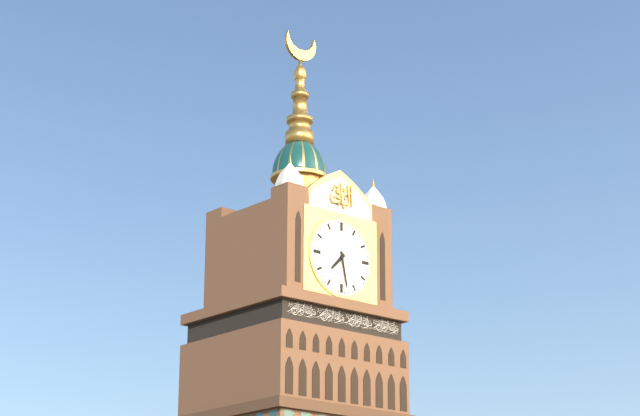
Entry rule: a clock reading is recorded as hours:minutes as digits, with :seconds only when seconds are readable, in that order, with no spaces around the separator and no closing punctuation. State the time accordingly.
7:28
